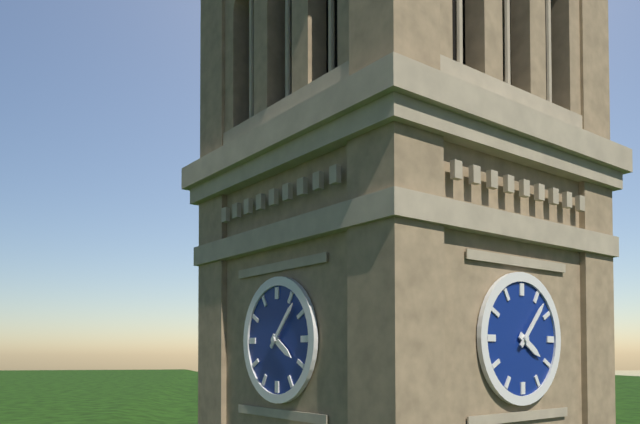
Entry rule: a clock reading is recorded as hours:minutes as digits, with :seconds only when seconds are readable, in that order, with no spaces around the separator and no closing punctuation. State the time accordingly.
4:07
